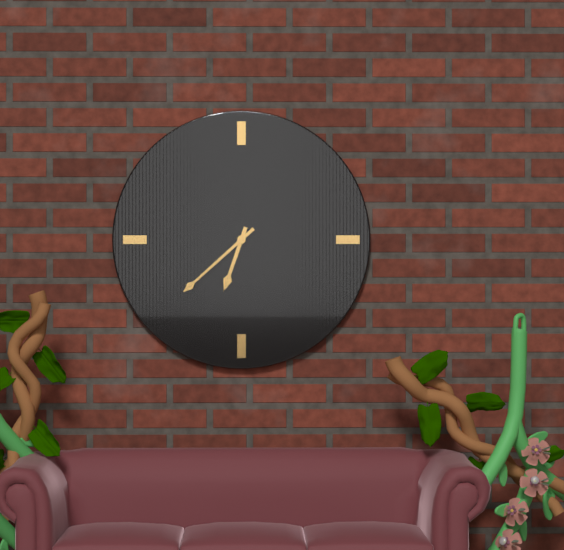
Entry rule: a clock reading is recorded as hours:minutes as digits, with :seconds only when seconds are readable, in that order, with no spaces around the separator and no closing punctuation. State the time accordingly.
6:38
